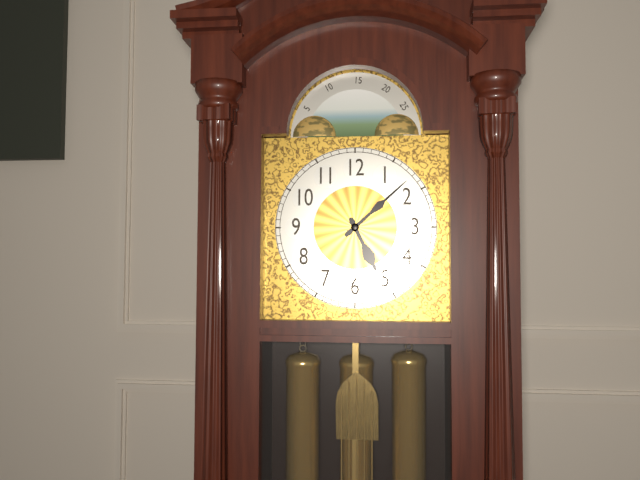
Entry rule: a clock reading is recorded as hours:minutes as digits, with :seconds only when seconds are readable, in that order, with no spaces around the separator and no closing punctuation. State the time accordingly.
5:08
